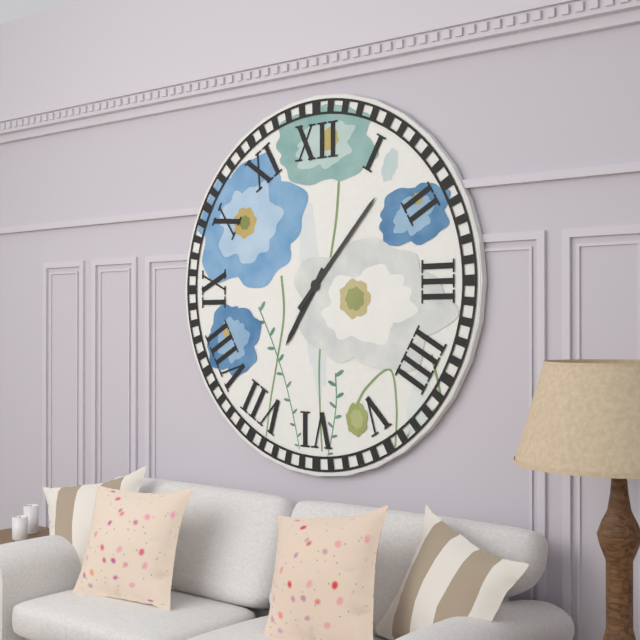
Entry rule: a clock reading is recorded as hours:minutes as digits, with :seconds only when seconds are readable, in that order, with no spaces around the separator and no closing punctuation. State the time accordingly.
7:07
